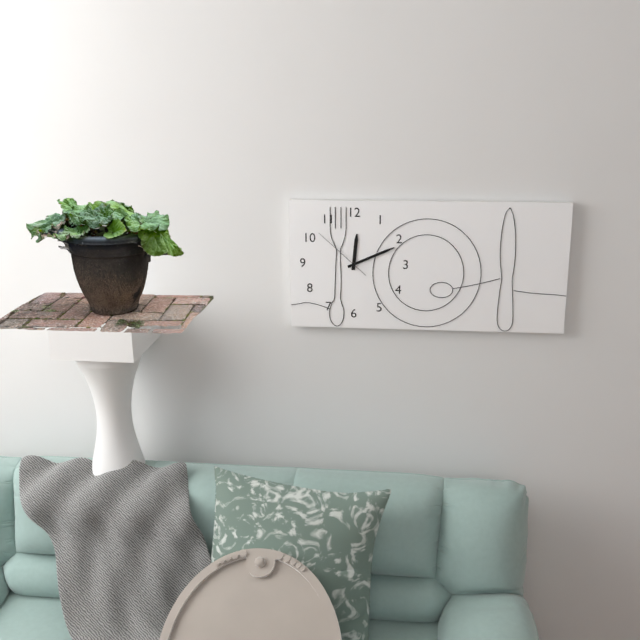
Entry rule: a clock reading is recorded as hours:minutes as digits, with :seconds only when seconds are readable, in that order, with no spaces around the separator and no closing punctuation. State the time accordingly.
12:11:52
